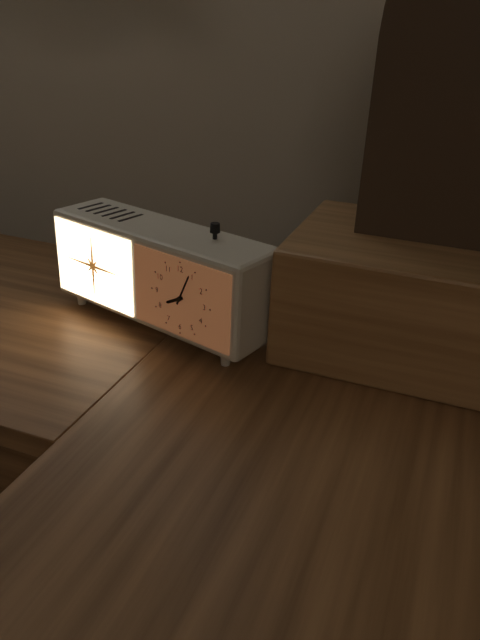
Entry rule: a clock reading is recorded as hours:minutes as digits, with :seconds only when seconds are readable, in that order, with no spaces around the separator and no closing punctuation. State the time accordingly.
8:04
